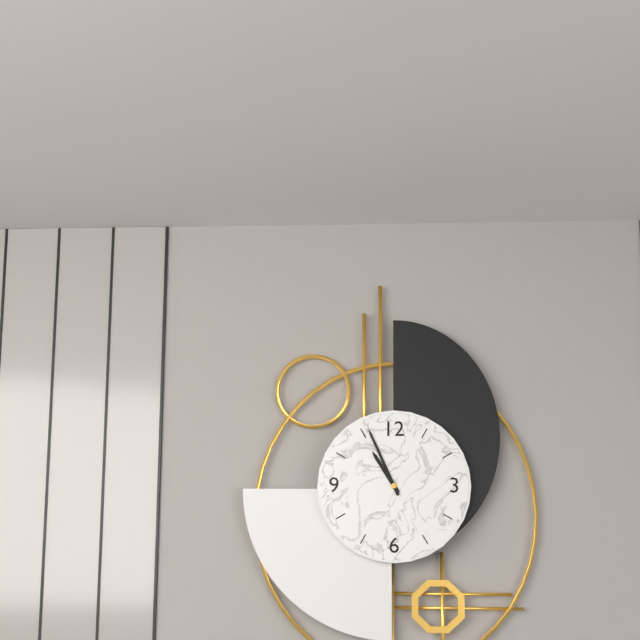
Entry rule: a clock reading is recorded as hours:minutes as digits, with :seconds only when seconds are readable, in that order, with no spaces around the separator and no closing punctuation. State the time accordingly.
10:56
